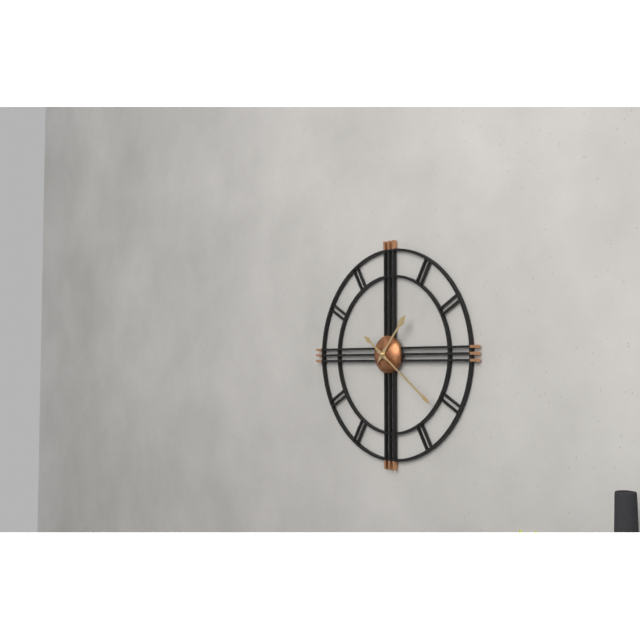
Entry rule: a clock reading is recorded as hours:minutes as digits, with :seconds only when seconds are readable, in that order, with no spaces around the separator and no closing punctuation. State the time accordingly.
1:21
